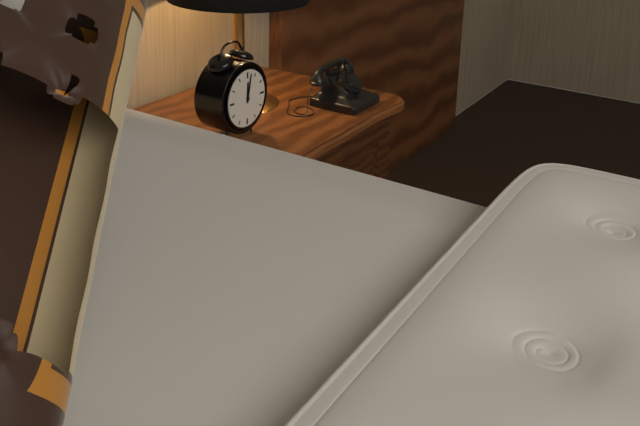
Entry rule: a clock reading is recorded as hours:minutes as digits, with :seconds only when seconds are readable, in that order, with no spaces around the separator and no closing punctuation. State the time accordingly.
12:02
